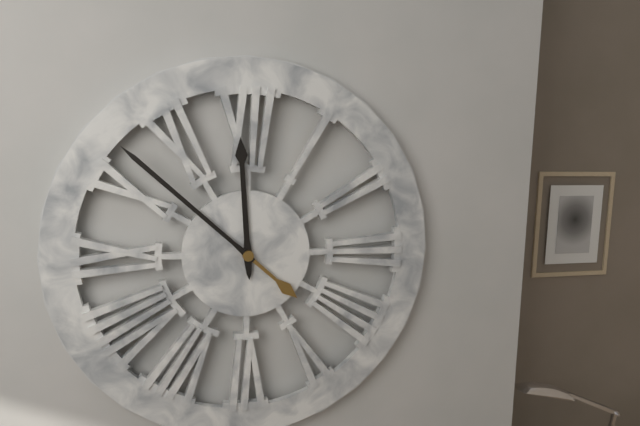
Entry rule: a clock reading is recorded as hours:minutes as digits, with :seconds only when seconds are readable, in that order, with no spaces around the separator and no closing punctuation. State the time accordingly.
11:52
